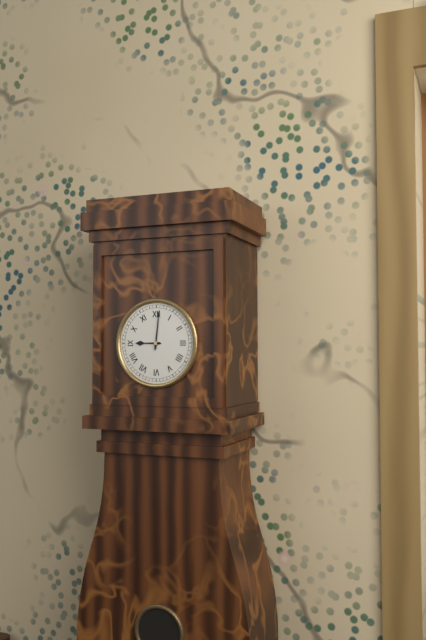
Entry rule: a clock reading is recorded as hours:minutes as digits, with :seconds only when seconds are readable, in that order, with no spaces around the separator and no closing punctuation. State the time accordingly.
9:01
